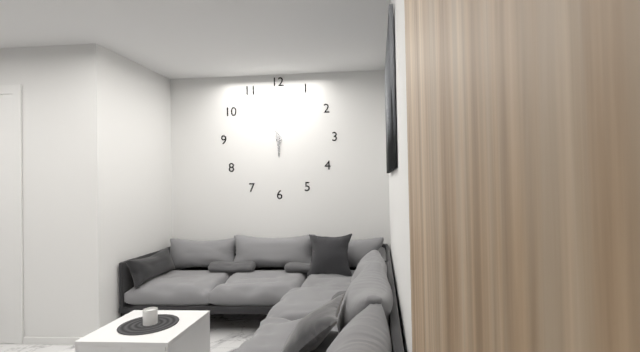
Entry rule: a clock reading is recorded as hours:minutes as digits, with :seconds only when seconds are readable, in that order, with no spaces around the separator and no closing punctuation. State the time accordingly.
5:57
